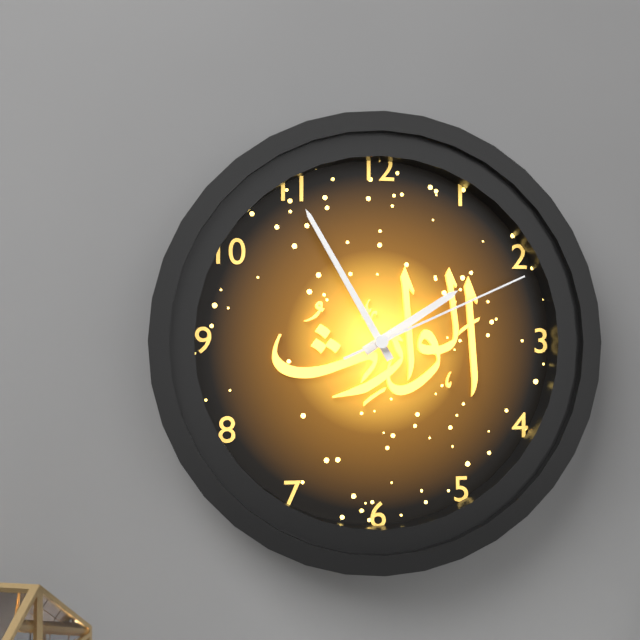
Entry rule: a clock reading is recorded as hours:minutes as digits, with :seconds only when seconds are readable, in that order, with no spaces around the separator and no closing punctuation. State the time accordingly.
1:55:11
